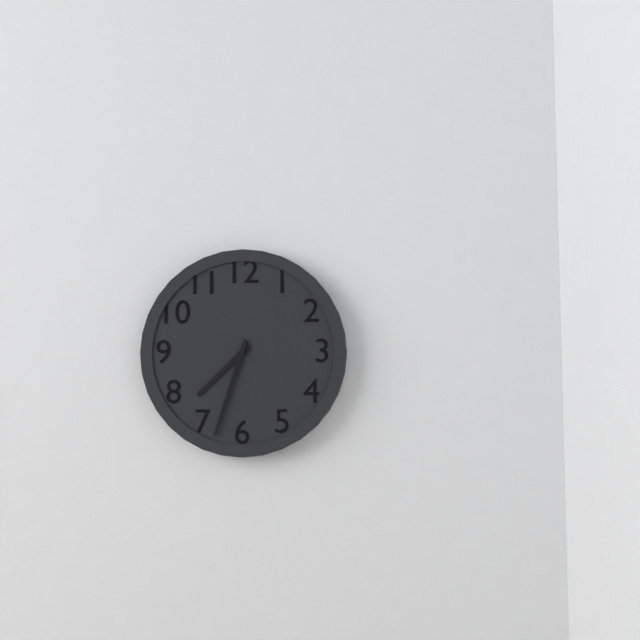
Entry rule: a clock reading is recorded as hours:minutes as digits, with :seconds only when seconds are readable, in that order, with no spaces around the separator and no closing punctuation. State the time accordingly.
7:33
